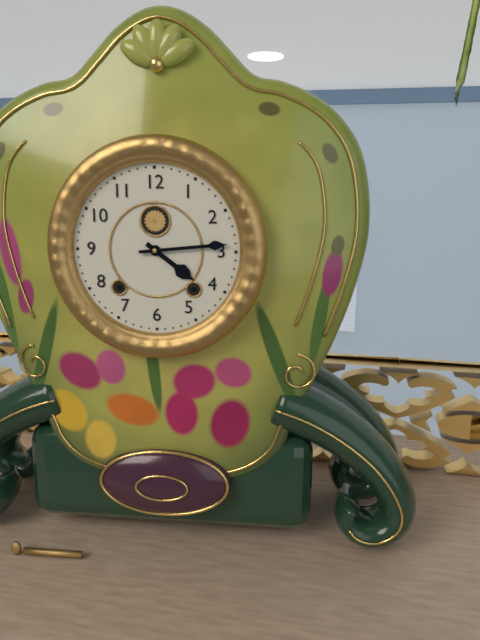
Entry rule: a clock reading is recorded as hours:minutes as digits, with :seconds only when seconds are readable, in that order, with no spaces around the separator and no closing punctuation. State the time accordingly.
4:14
